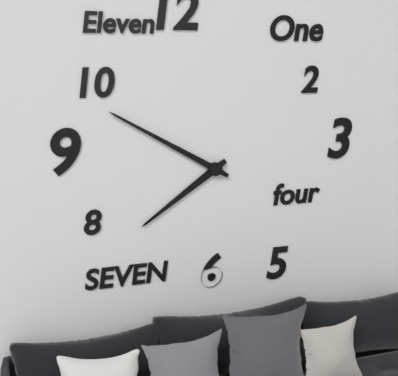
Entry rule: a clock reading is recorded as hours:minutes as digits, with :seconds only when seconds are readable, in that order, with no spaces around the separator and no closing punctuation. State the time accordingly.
7:50
